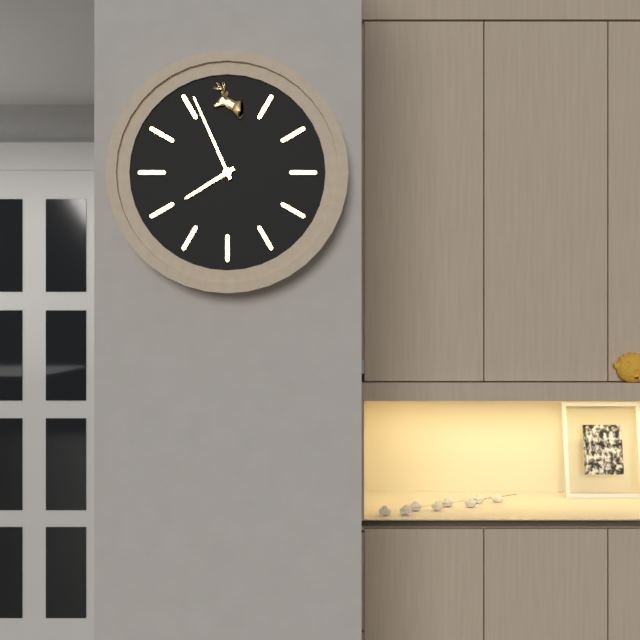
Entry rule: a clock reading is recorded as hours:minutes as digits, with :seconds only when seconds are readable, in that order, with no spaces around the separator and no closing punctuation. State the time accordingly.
7:56
